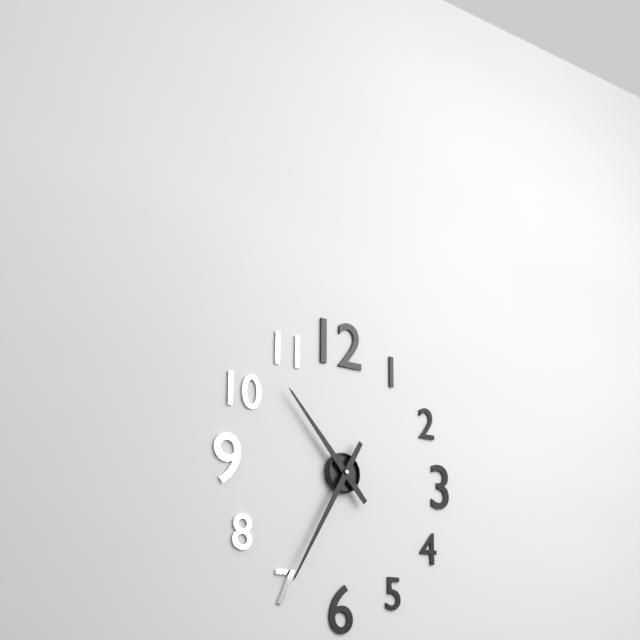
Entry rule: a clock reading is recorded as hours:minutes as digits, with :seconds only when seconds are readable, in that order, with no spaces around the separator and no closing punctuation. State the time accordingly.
10:35
